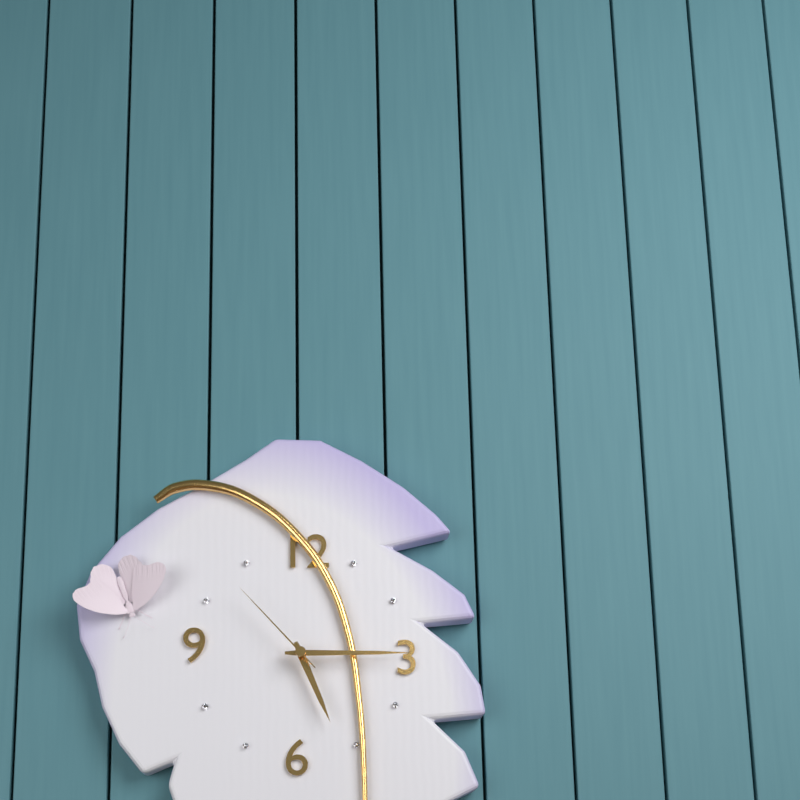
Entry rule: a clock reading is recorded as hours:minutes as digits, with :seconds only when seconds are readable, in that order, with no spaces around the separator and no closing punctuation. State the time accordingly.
5:15:53
